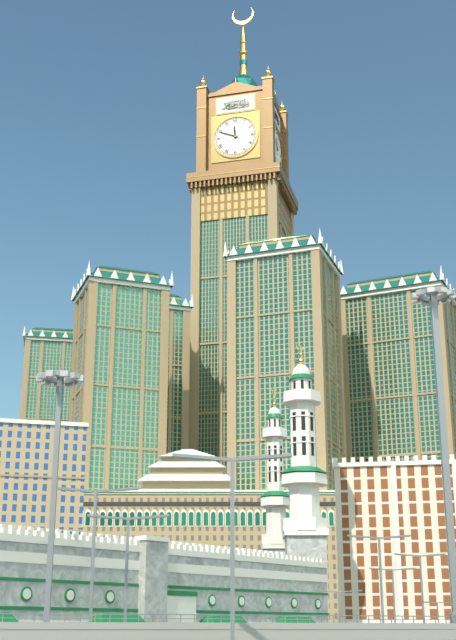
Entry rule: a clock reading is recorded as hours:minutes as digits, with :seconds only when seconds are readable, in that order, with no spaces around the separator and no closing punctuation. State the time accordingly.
11:49
